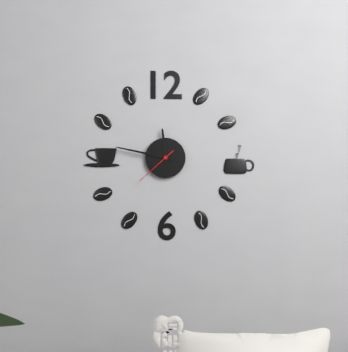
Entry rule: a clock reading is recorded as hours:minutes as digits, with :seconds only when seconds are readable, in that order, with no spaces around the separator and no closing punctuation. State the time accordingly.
11:47
